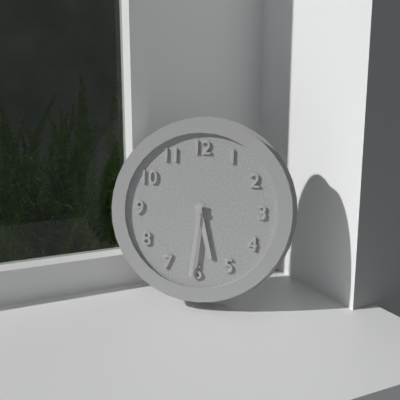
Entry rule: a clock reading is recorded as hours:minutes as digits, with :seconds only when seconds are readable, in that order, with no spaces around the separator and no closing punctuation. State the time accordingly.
5:31
